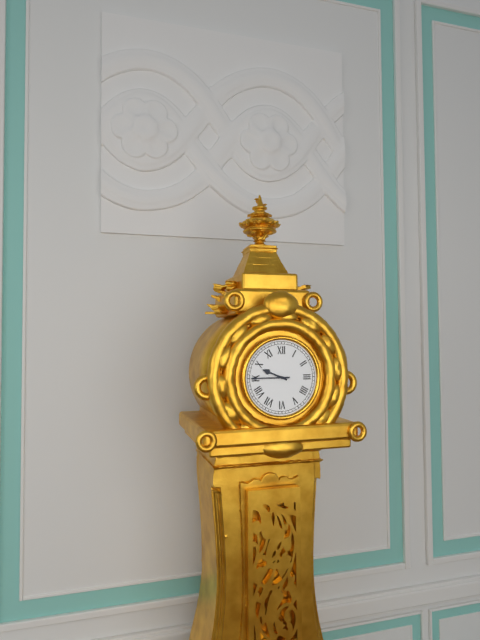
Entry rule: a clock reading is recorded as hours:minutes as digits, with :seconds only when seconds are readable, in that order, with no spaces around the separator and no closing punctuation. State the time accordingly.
9:45
